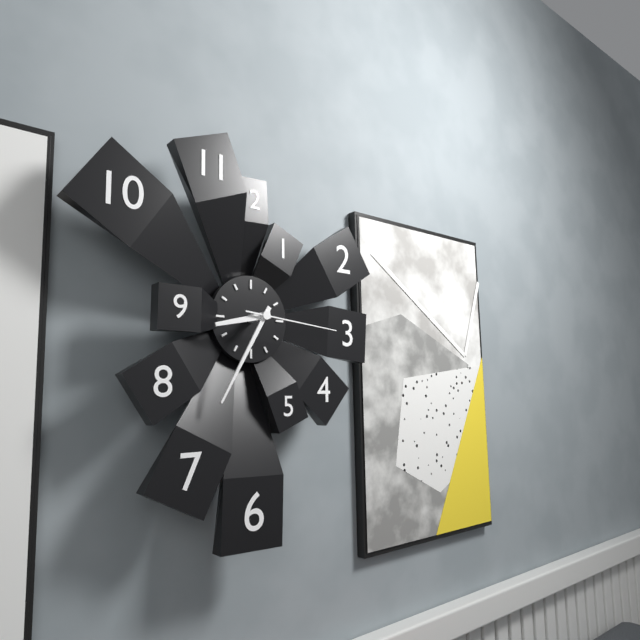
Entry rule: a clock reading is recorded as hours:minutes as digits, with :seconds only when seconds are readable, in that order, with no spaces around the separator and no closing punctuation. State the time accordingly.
8:35:16
